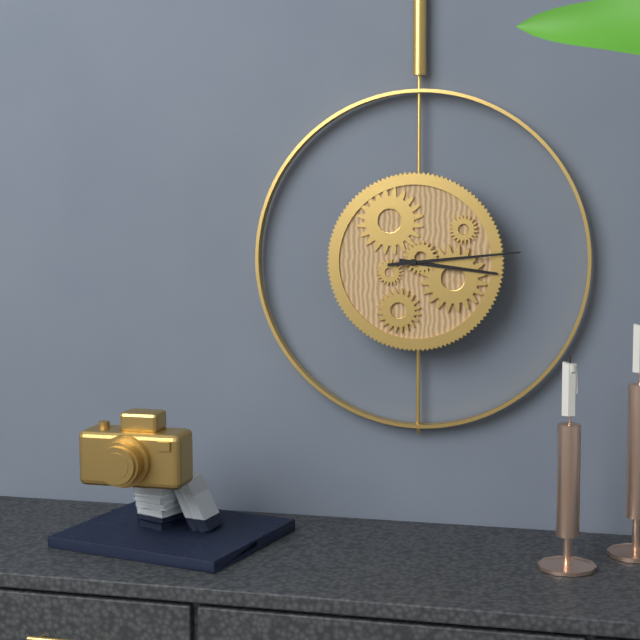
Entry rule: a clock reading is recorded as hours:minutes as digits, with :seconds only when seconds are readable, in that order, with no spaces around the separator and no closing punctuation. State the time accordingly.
3:14
